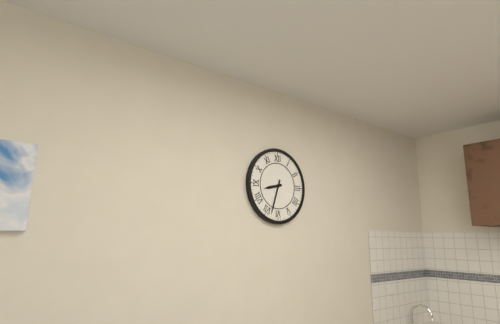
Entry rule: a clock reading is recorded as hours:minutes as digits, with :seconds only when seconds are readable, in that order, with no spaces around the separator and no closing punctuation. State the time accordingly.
8:33
